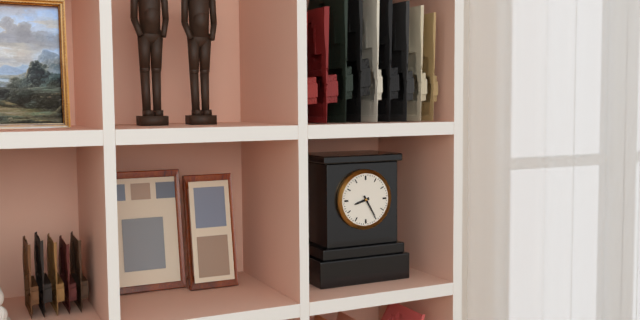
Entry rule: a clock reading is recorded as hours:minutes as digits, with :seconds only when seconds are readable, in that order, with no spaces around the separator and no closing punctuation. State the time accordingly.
8:25
